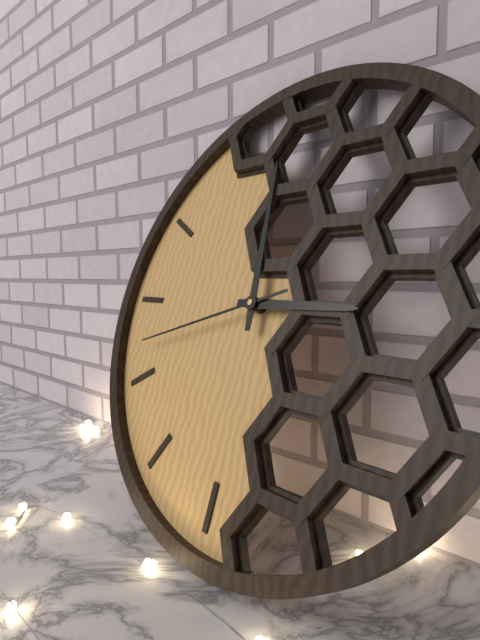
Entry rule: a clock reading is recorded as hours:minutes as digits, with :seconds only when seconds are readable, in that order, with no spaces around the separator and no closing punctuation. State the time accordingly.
2:59:42
